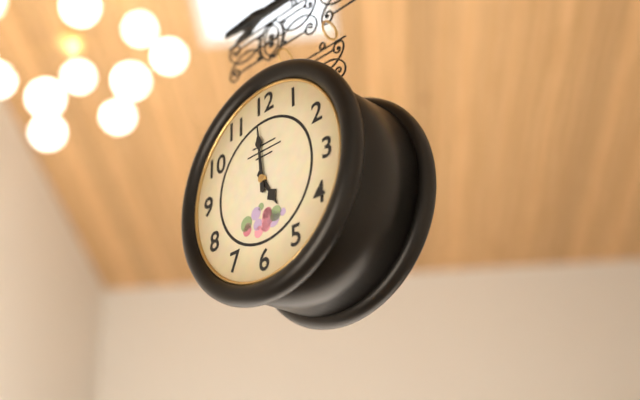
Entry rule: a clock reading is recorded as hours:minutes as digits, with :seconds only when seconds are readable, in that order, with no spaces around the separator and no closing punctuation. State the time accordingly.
4:59
